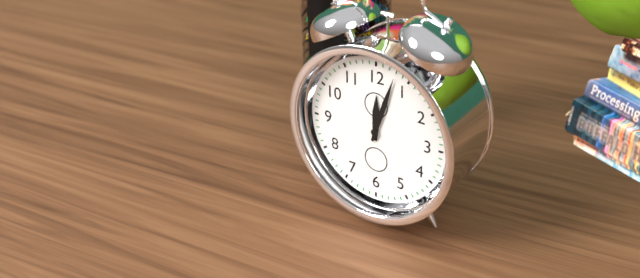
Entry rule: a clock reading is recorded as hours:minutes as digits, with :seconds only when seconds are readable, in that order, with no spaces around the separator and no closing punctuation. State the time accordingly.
12:03
